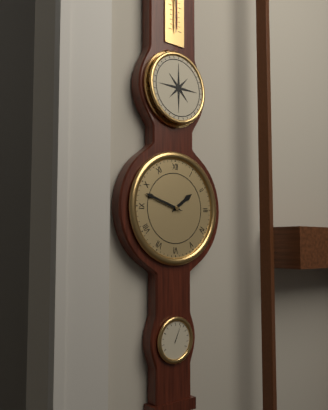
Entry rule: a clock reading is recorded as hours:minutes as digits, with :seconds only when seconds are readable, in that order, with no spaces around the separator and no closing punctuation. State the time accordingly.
1:48
